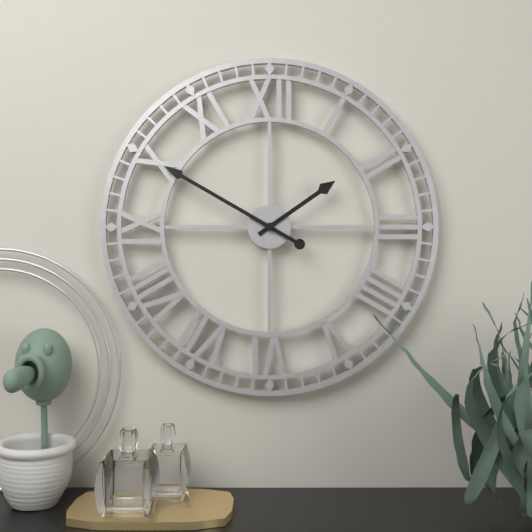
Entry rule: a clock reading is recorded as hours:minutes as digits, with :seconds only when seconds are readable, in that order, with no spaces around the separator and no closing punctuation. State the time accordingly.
1:50
